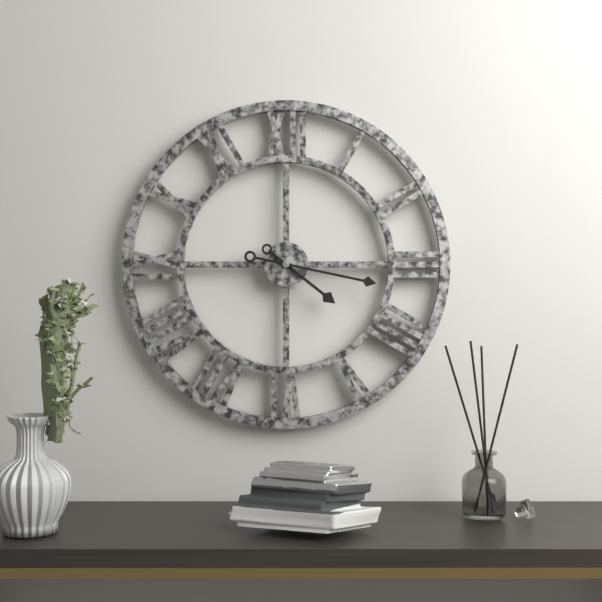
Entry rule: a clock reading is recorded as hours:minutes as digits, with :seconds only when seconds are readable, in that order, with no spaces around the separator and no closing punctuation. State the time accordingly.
4:17
